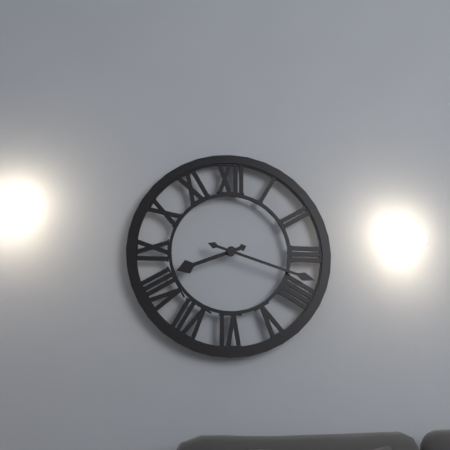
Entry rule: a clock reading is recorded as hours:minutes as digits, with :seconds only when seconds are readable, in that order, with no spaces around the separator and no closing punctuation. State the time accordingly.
8:18
